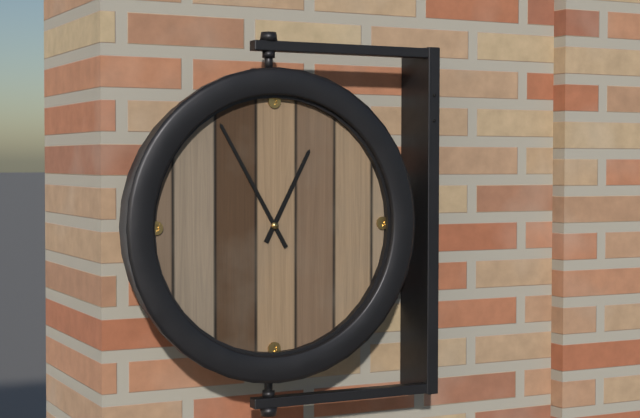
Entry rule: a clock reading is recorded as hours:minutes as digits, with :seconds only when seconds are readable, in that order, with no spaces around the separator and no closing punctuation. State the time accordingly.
12:55
